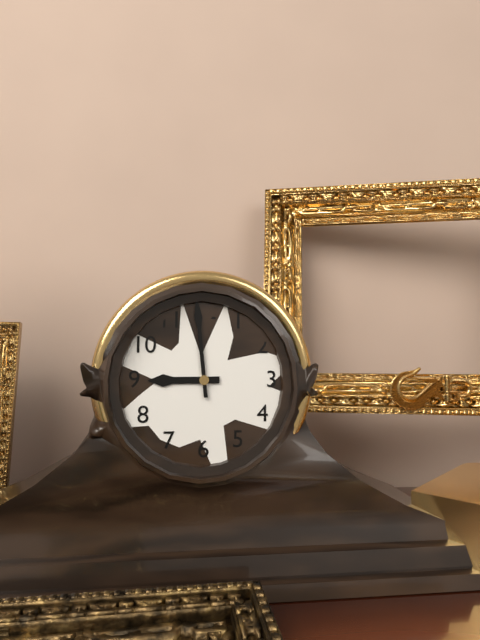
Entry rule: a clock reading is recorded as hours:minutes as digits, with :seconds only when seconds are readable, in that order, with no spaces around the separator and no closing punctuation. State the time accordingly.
8:59
